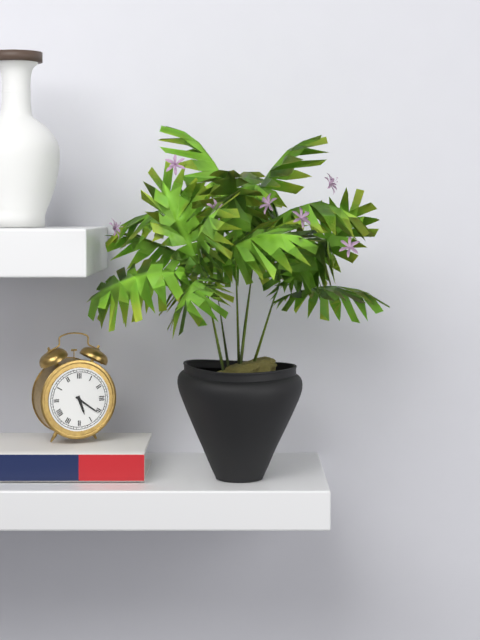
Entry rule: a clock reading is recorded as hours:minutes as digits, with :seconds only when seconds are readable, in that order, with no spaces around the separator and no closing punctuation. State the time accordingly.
5:21
